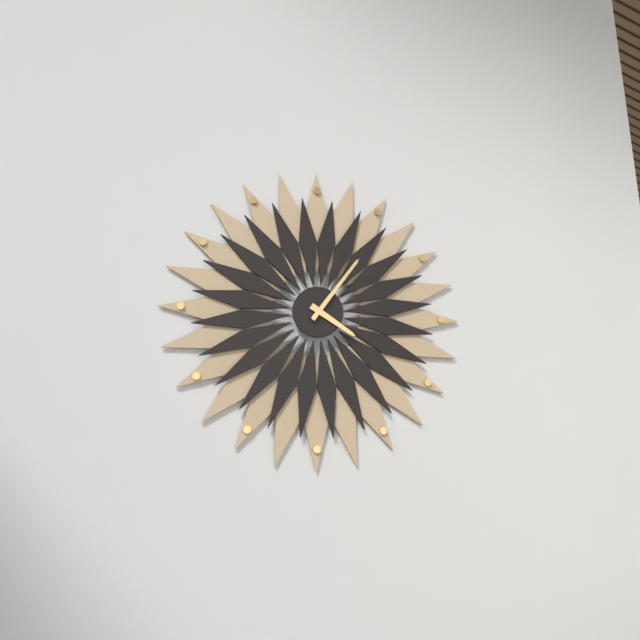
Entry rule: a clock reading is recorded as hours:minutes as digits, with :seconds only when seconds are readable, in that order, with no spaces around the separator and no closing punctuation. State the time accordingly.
4:06
